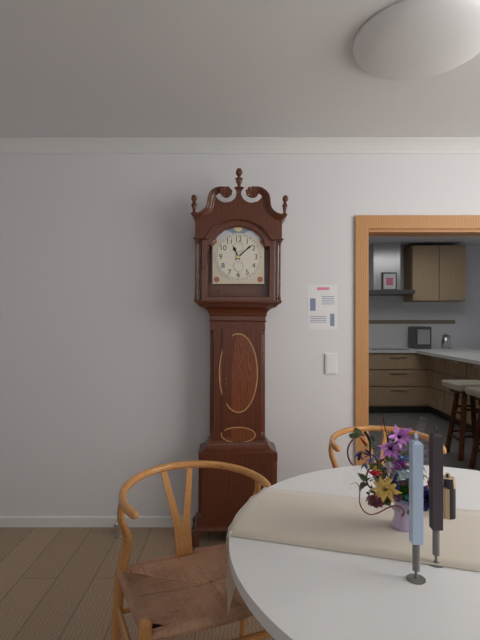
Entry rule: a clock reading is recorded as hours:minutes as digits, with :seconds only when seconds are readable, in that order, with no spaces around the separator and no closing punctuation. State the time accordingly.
11:08
